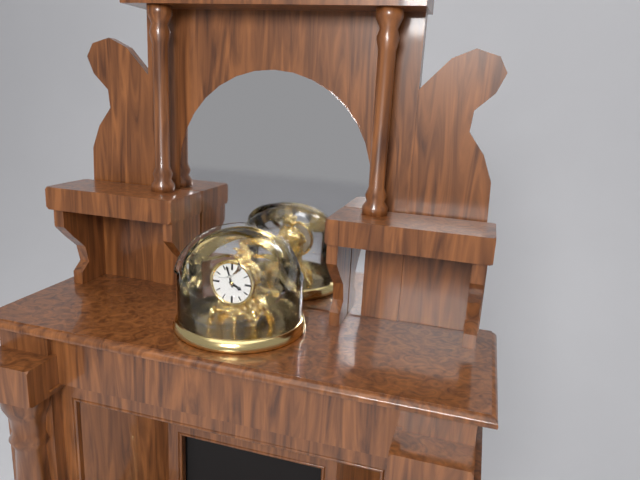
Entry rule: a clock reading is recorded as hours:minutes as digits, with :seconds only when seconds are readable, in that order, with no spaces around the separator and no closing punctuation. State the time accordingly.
3:57
